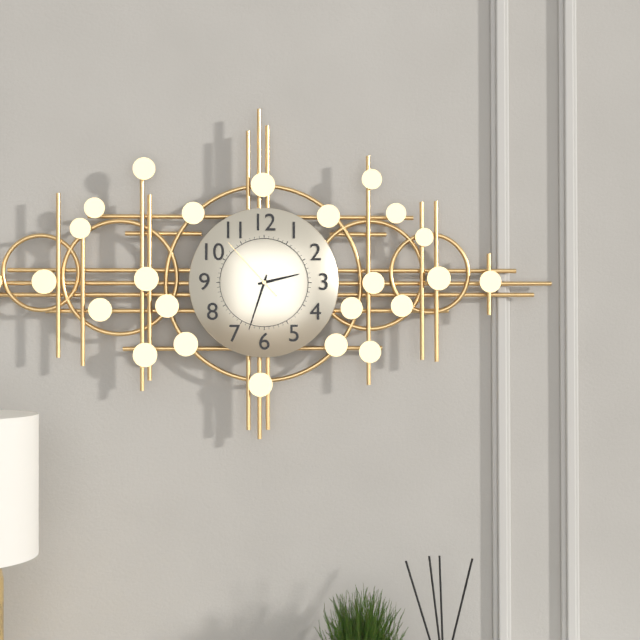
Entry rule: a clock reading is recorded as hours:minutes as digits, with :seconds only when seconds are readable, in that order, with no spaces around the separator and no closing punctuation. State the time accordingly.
2:33:53
